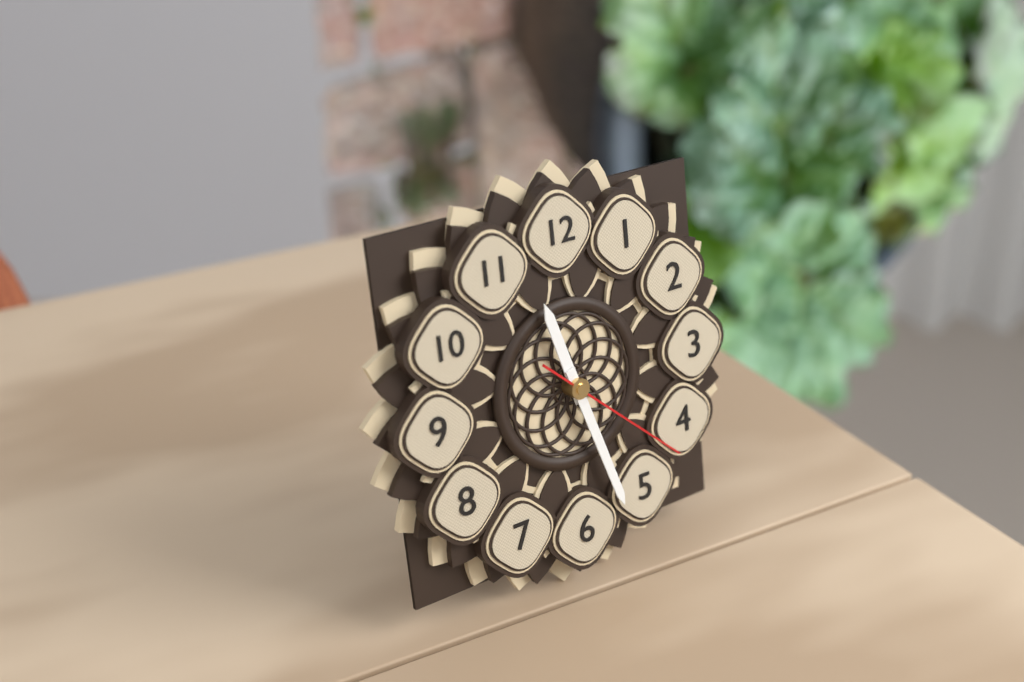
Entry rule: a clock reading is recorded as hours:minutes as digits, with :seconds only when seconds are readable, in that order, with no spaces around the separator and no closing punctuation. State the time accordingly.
11:27:22
